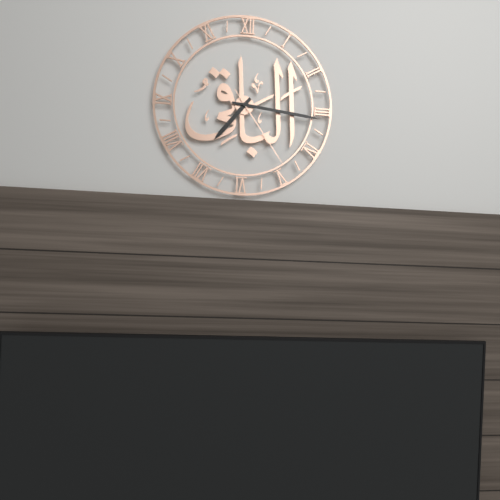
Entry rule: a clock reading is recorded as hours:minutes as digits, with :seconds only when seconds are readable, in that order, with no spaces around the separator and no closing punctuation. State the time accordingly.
7:16:24
